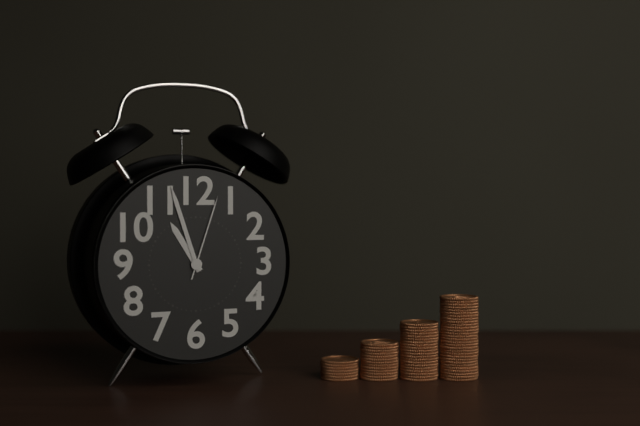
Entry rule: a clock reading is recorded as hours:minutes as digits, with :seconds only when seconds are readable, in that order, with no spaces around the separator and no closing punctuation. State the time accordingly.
10:57:03
